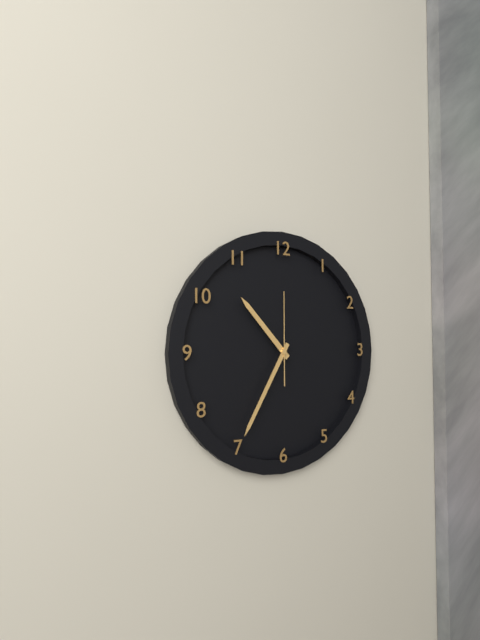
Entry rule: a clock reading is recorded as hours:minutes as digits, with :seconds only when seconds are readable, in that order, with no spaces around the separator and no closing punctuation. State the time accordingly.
10:35:00
